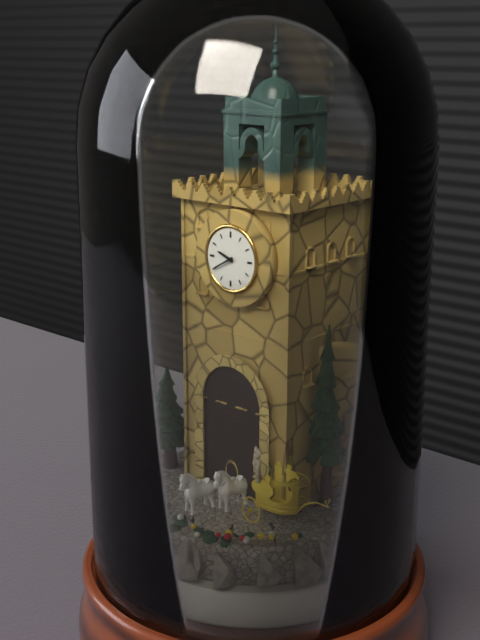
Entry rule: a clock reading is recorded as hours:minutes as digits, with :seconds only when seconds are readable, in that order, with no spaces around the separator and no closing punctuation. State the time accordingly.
9:40
